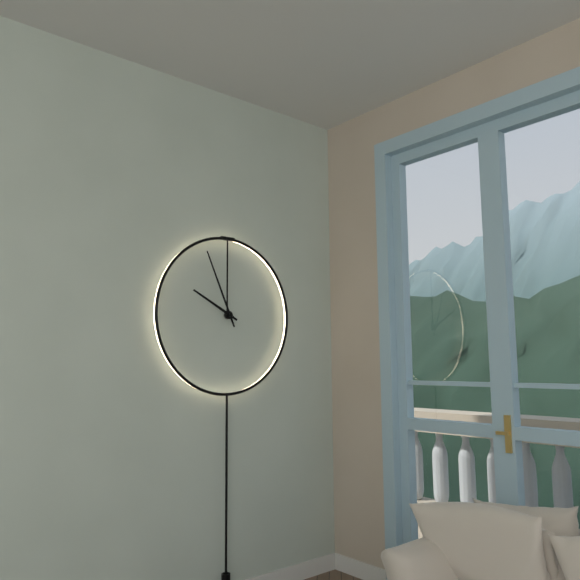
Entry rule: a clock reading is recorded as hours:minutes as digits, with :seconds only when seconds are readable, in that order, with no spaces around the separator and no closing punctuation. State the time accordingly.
9:56
